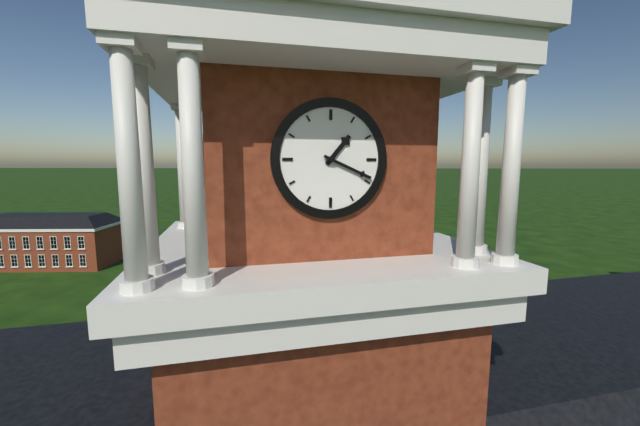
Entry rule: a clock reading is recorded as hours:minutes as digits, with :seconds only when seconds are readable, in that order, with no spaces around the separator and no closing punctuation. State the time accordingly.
1:19
